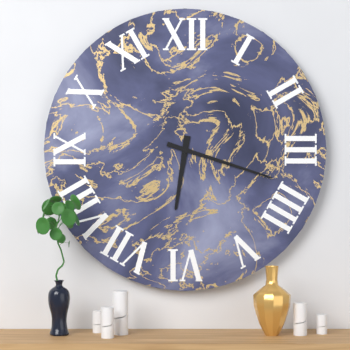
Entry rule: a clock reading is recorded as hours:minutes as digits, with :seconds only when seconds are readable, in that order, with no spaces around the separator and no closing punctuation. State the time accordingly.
6:18
